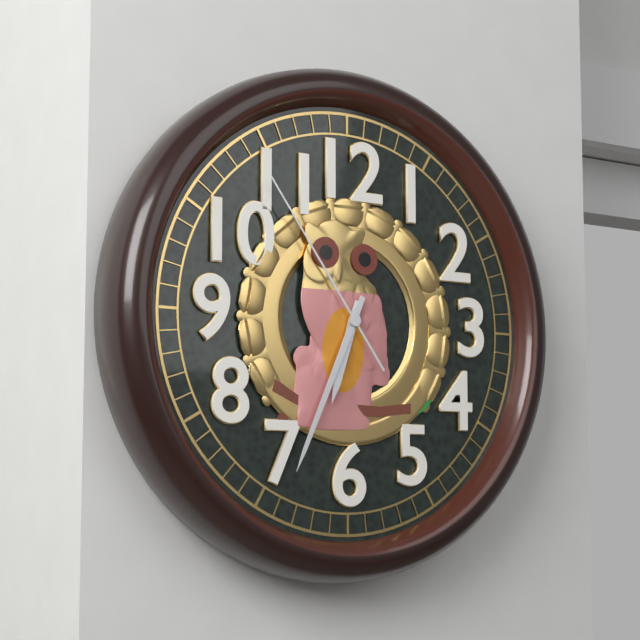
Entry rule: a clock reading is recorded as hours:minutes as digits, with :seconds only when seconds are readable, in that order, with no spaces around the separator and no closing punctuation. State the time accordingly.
6:34:54
